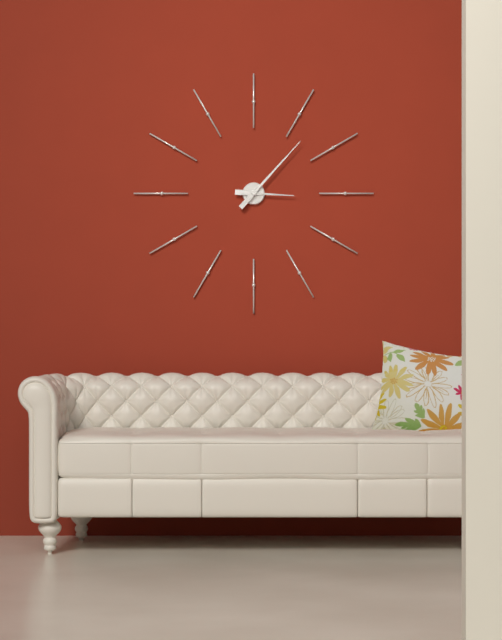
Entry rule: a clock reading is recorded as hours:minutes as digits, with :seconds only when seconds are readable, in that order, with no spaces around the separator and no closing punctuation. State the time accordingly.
3:07
